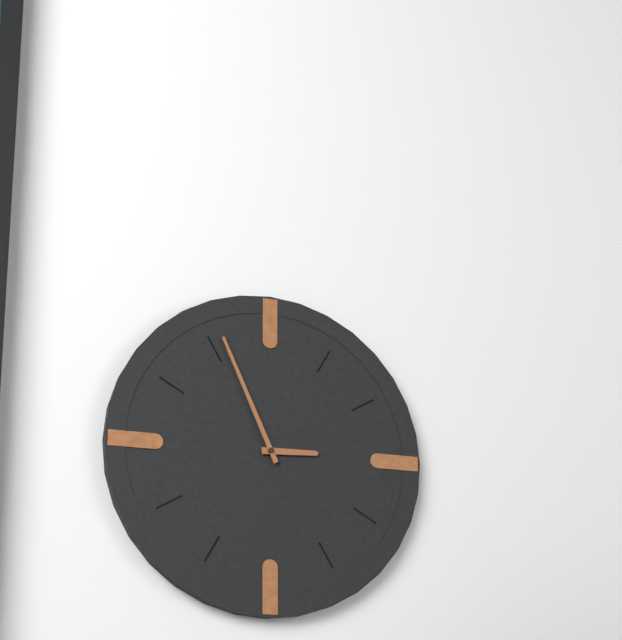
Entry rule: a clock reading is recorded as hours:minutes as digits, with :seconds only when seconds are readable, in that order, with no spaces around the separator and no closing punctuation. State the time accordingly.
2:56
